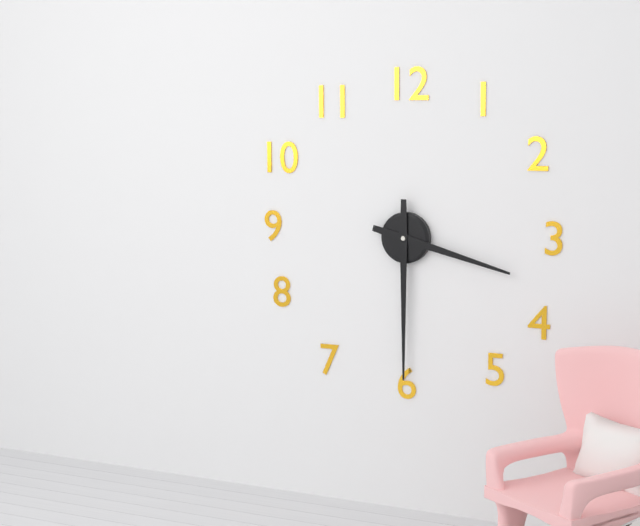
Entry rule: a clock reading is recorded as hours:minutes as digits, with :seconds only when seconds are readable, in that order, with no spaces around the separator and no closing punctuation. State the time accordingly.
3:30
